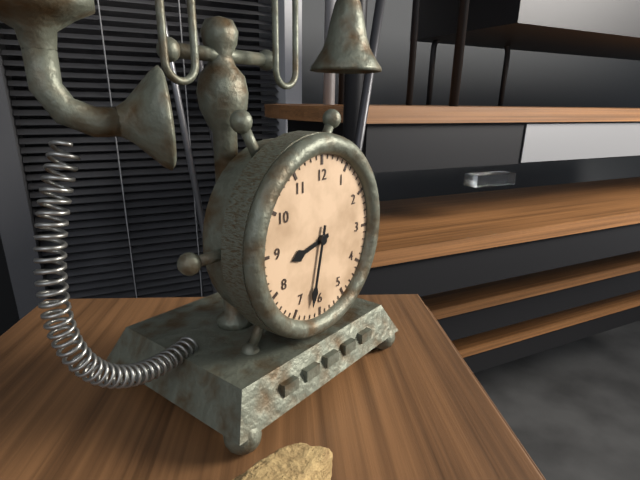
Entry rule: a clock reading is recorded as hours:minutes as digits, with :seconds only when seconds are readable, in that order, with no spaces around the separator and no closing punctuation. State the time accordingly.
8:32
